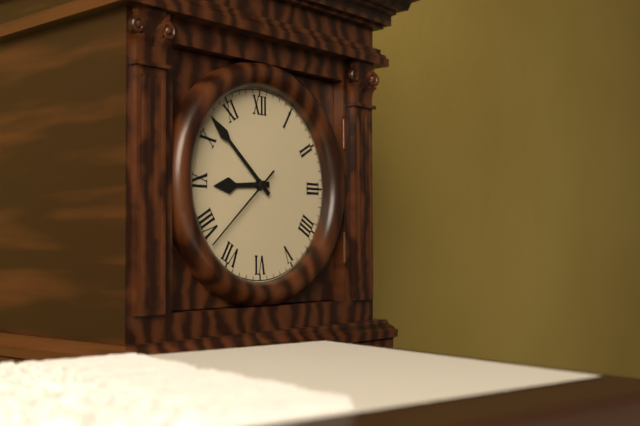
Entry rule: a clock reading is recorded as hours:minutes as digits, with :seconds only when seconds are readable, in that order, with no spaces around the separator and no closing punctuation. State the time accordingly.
8:52:38
